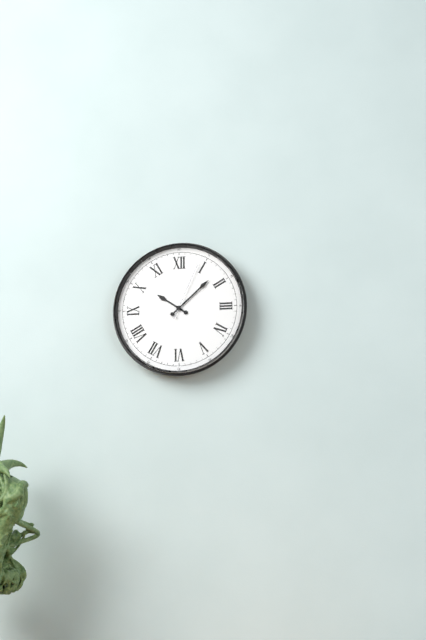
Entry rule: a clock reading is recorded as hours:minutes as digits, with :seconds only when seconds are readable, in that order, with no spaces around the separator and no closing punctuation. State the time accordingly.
10:08:04
